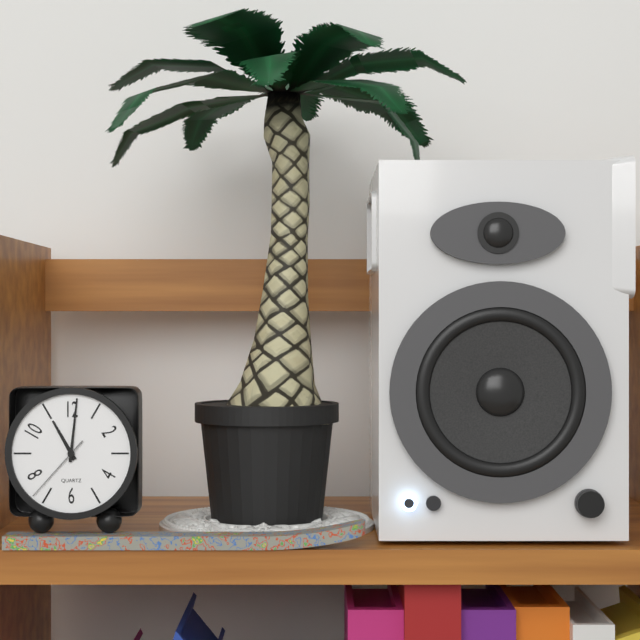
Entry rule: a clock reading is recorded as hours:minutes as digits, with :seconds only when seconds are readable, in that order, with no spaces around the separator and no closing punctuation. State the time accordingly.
11:01:37
